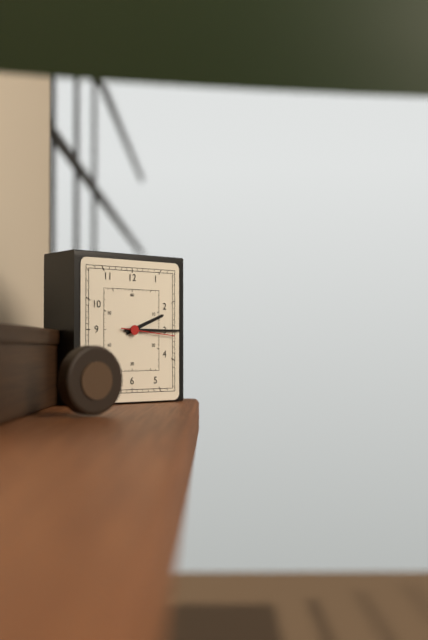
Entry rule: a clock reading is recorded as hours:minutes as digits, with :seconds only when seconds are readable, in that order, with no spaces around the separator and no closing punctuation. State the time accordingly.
2:15:16
